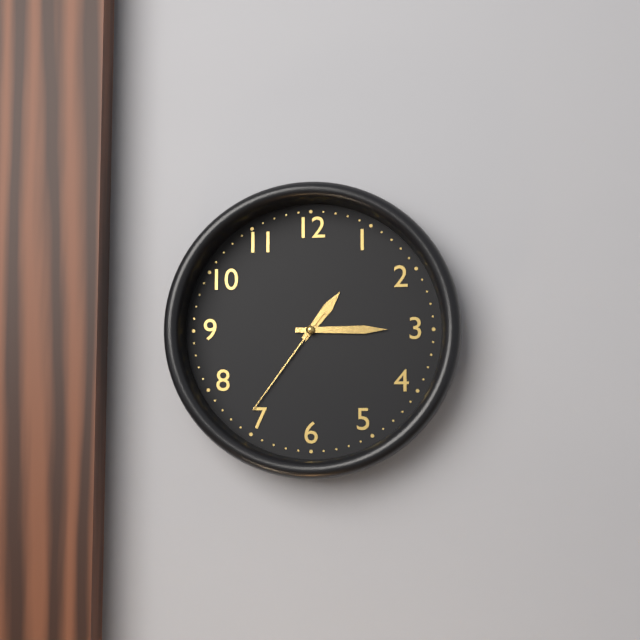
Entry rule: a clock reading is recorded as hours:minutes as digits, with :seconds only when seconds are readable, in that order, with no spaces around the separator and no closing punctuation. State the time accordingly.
1:15:36
